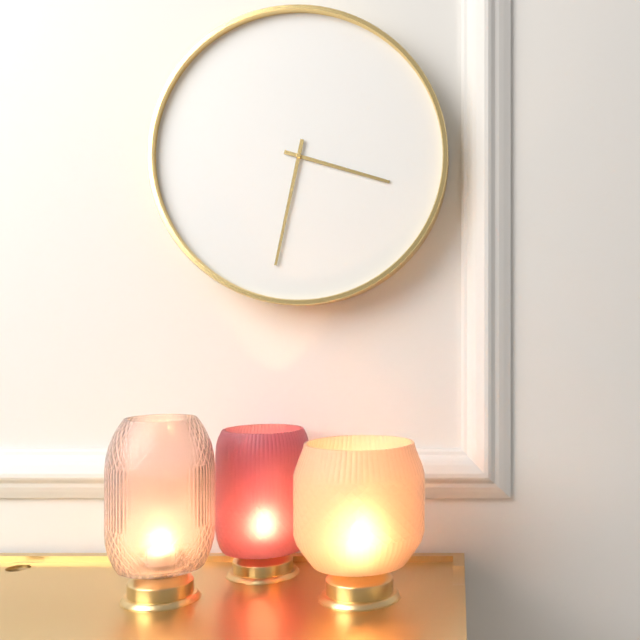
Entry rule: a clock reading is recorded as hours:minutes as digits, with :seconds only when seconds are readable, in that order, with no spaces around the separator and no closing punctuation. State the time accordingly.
3:32
